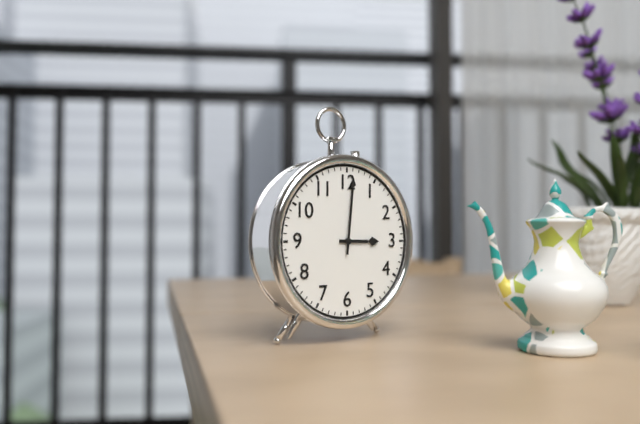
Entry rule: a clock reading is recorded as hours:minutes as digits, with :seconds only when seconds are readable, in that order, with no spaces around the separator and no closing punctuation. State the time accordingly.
3:01
